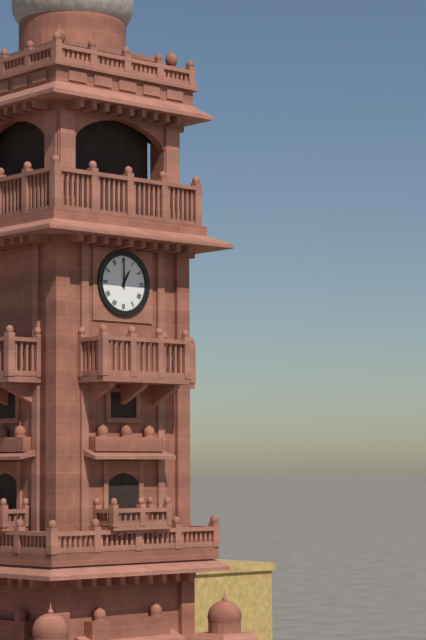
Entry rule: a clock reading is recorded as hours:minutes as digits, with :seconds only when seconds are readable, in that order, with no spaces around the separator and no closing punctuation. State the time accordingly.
1:00
